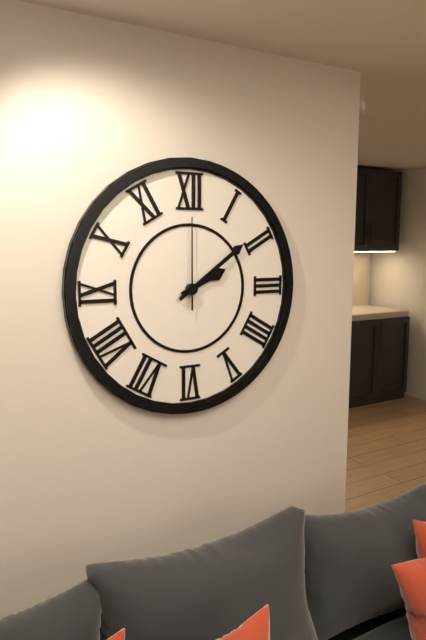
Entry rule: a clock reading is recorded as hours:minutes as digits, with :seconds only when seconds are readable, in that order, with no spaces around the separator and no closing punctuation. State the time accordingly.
2:09:00
